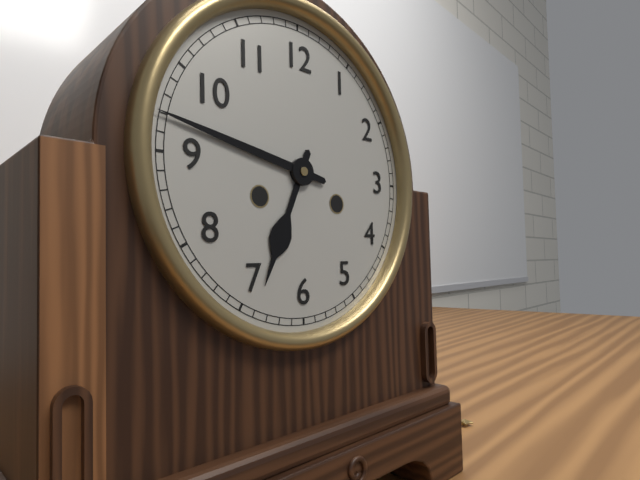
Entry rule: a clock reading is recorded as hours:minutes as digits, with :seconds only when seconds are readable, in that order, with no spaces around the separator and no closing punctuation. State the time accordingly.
6:47
